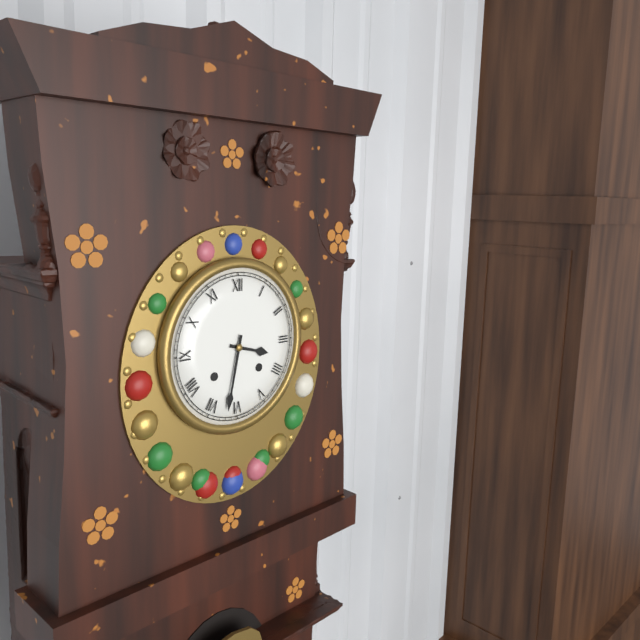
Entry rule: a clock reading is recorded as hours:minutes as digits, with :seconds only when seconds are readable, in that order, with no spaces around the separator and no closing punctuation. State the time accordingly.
3:32
